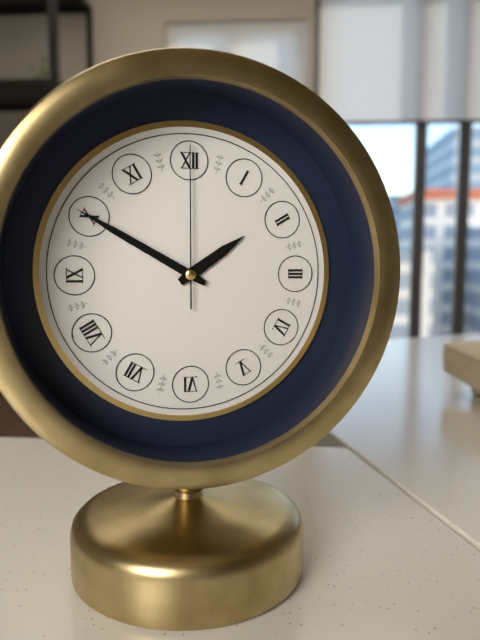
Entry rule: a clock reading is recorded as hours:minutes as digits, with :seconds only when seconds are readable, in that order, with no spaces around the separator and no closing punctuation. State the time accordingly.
1:50:00
